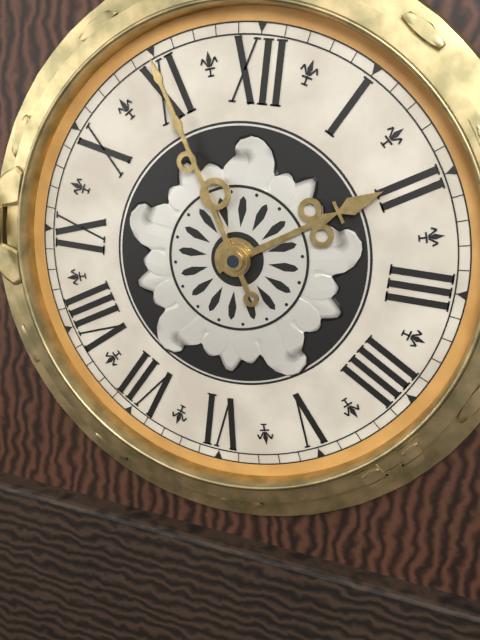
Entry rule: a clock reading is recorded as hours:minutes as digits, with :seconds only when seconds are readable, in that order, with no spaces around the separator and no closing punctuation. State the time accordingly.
1:55
